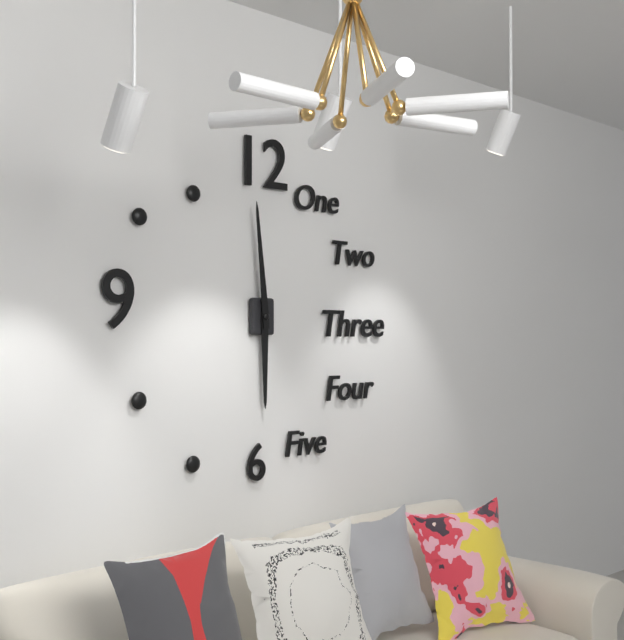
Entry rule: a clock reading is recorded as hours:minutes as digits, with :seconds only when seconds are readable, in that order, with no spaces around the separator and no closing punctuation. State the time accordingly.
5:59
